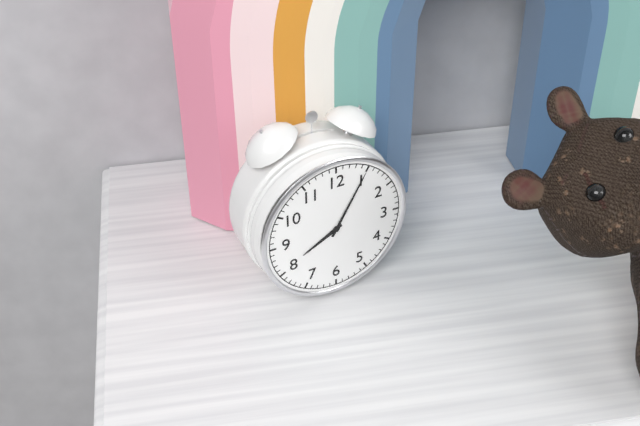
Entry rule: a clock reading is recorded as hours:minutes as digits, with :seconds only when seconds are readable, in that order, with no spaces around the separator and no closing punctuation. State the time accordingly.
8:05
